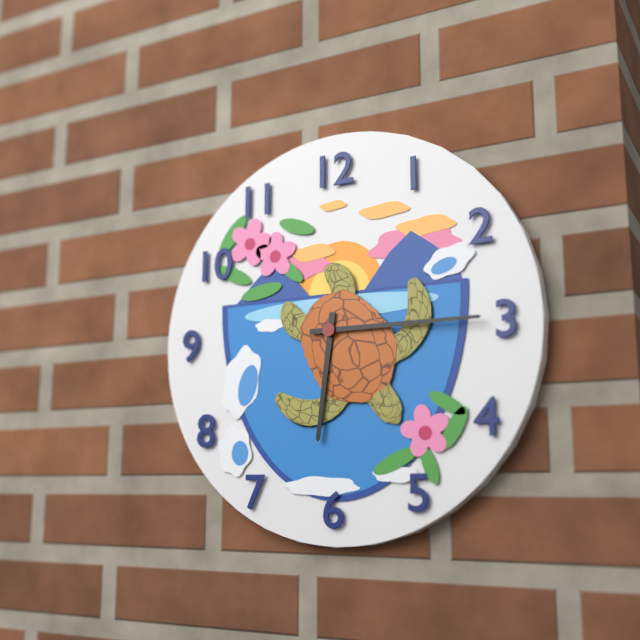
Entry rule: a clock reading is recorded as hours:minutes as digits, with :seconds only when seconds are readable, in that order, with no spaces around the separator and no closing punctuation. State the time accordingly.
6:15
